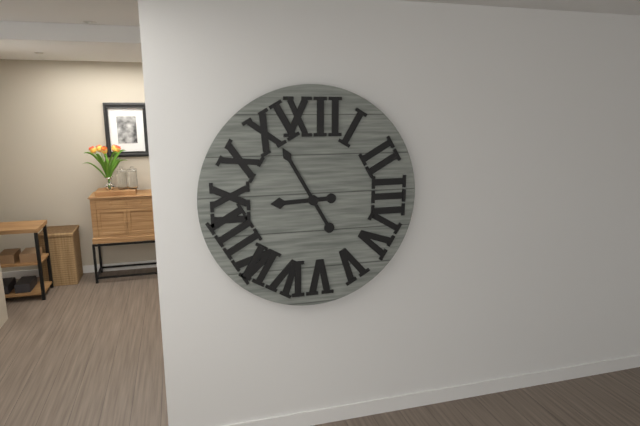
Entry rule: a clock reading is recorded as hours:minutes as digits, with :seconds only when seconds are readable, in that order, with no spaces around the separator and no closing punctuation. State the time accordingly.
8:55
